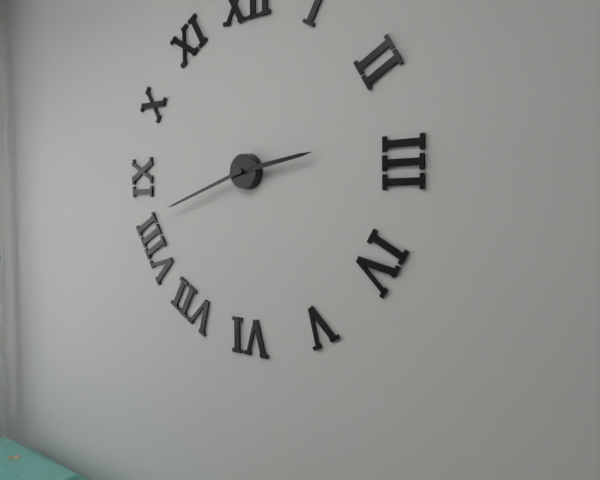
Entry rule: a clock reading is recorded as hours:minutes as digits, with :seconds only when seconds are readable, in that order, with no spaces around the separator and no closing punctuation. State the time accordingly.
2:42
